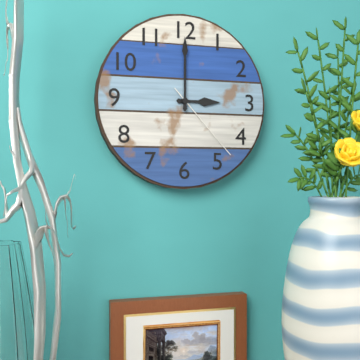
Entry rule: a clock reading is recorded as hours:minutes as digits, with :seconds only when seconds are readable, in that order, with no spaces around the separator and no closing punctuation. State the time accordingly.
3:00:23
